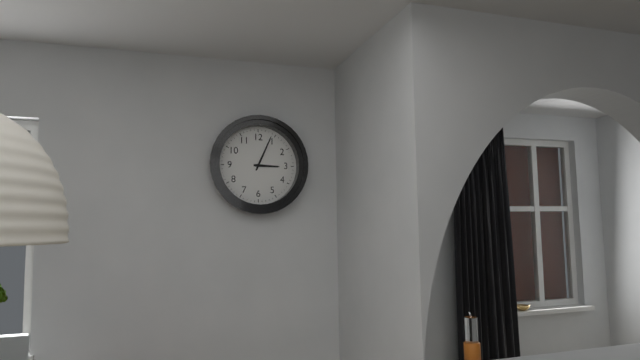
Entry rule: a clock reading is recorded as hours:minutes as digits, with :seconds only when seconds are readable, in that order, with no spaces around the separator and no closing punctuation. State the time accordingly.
3:04
